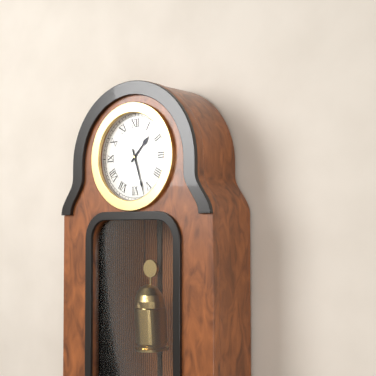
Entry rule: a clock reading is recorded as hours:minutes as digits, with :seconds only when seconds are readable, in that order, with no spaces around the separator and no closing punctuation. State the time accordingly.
1:27
